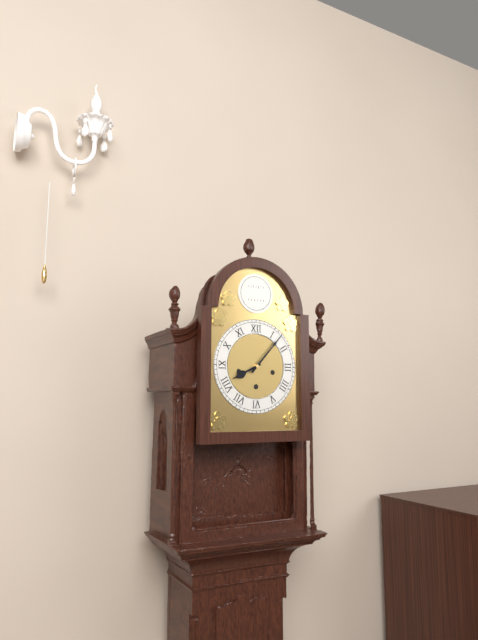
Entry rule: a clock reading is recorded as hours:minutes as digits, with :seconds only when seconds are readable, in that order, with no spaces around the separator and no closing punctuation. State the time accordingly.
8:07
